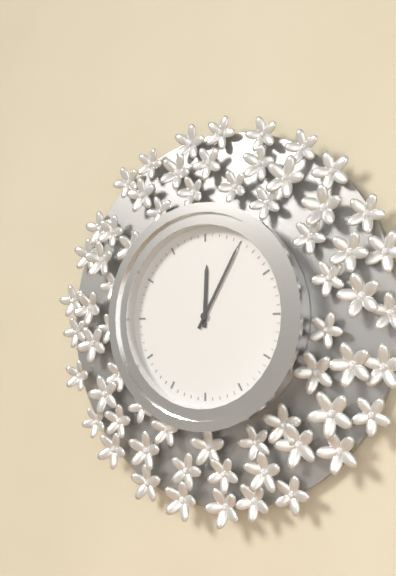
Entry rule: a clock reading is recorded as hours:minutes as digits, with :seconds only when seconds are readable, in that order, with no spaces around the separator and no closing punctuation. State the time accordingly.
12:05
